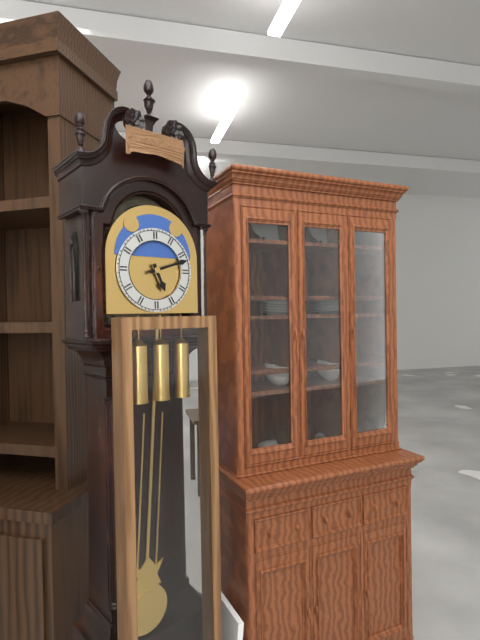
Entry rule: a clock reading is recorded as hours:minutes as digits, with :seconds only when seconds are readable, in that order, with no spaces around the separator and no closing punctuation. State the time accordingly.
5:12
